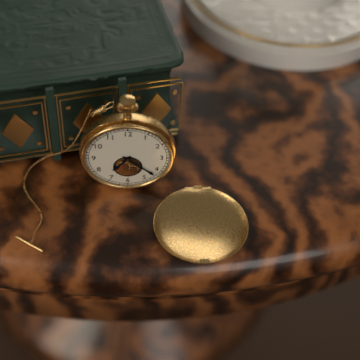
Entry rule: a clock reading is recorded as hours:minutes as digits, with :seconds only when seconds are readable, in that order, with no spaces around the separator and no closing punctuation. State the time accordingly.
7:22
